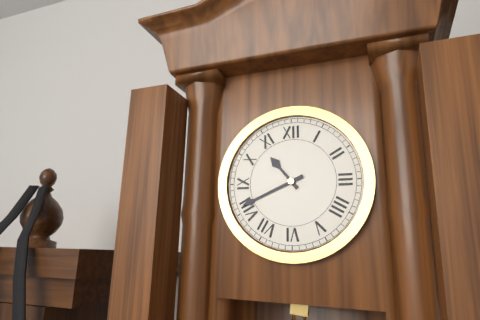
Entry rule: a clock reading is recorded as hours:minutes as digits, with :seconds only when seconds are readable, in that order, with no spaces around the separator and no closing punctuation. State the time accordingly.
10:41
